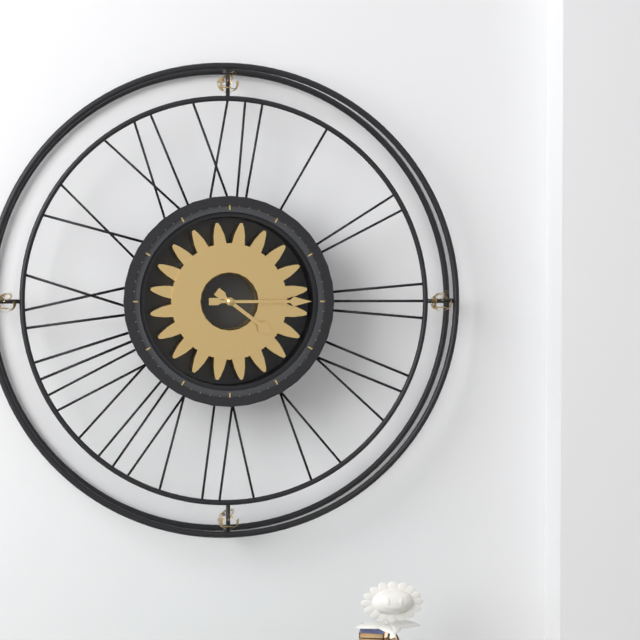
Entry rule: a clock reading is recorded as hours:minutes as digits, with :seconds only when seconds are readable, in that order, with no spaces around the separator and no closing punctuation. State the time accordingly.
4:15
